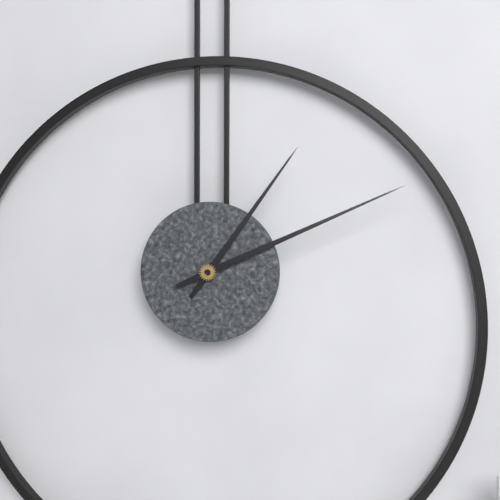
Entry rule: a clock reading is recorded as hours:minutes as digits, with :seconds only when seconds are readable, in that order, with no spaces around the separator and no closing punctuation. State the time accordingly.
1:11
